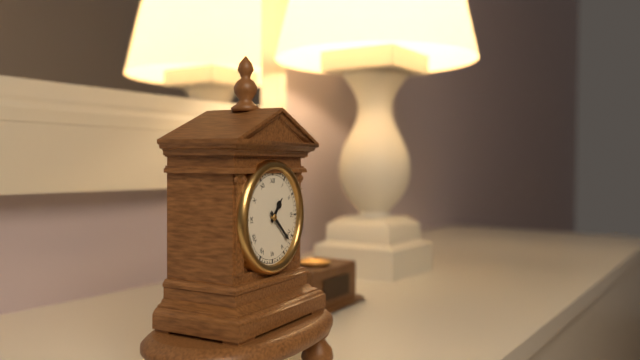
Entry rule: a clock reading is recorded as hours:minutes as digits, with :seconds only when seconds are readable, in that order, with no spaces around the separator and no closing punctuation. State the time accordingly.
1:22
